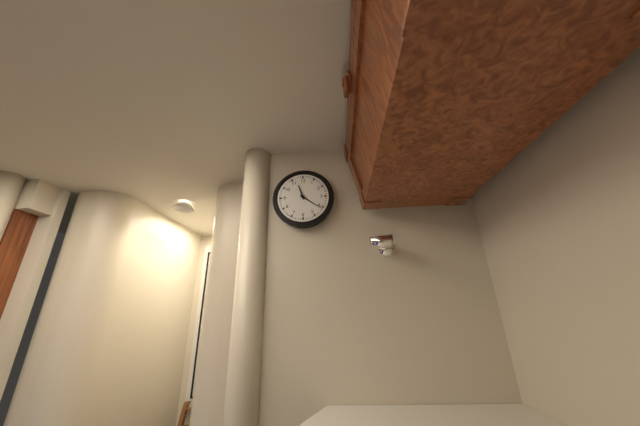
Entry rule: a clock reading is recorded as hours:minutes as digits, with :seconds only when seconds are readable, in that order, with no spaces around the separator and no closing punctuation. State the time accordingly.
11:21
